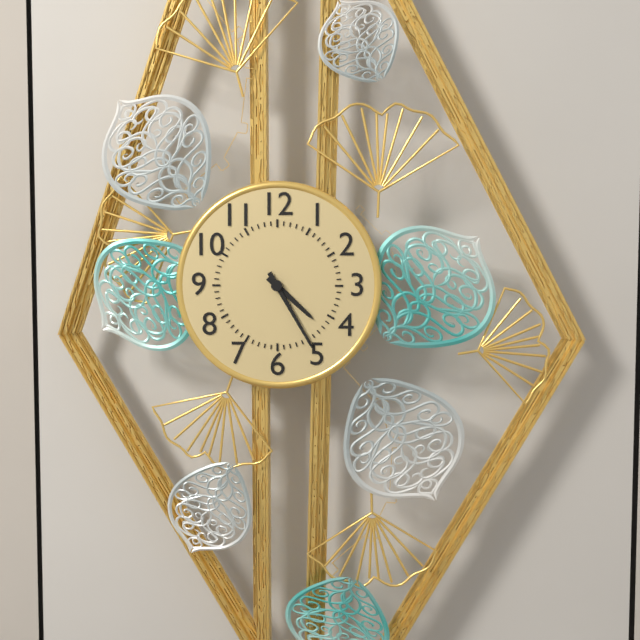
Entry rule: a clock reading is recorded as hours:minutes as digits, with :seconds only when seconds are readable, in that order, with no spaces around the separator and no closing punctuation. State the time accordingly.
4:25
